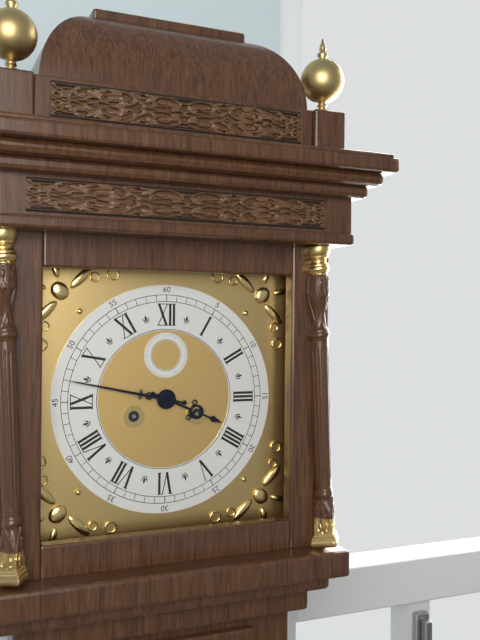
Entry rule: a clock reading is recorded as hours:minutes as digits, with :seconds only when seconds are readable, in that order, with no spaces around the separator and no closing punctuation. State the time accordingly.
3:47
